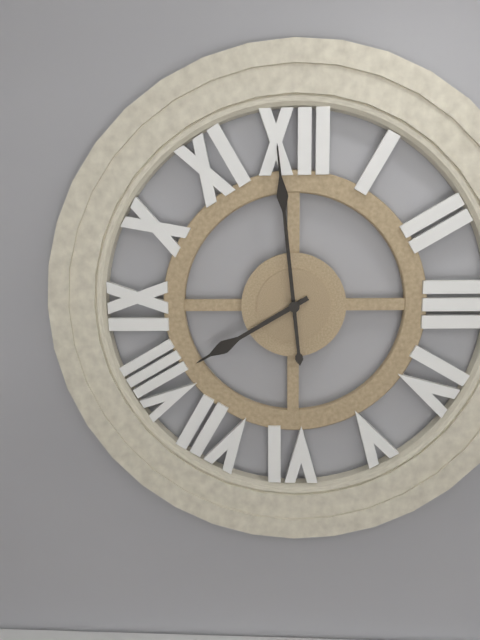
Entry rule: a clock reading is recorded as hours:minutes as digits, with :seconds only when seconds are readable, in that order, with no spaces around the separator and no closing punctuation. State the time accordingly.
7:59
